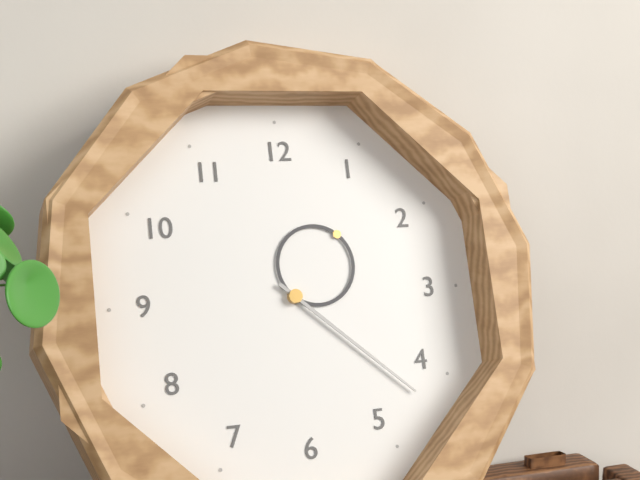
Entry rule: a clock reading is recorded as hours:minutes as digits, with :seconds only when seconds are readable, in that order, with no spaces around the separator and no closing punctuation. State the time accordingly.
1:22
